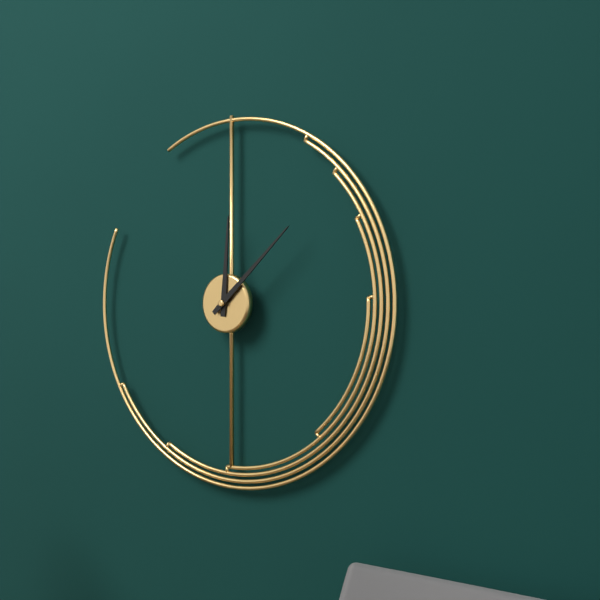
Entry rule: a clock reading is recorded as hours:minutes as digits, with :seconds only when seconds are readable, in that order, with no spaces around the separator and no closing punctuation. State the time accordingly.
12:08
